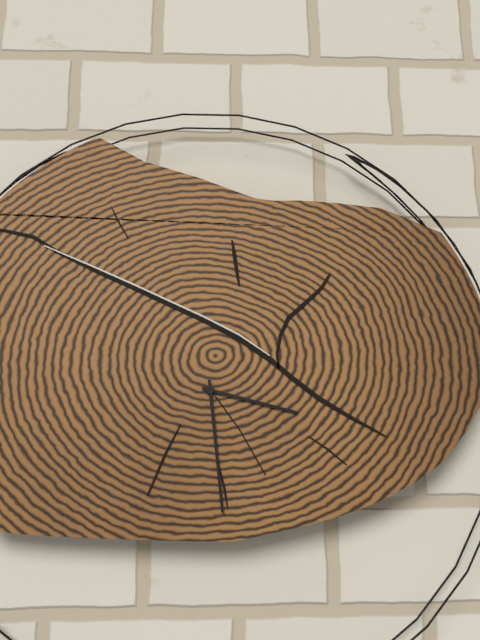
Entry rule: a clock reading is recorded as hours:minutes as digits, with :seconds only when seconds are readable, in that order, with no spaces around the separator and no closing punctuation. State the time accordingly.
3:29
